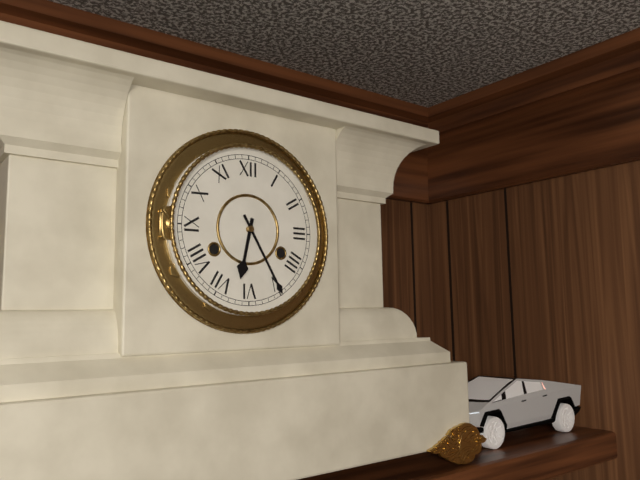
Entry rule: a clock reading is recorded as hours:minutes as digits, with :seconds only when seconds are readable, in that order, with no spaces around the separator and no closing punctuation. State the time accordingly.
6:25
